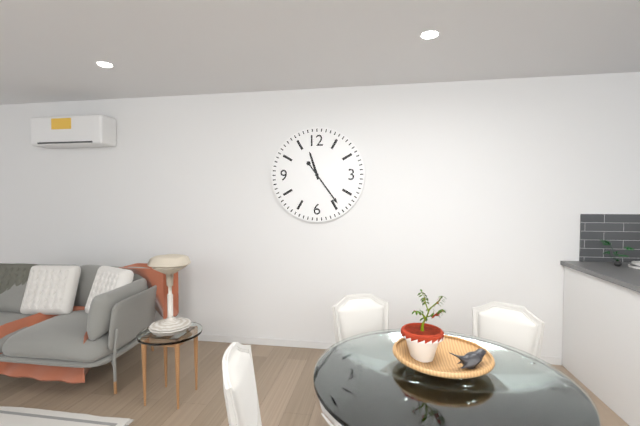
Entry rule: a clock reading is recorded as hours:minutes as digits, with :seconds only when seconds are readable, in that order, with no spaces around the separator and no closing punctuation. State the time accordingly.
11:24
